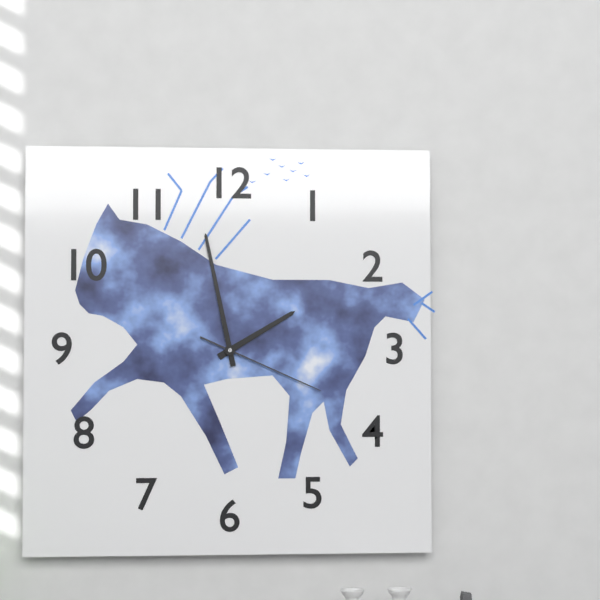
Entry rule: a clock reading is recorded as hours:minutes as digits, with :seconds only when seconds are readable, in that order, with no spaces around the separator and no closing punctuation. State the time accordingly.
1:58:19
